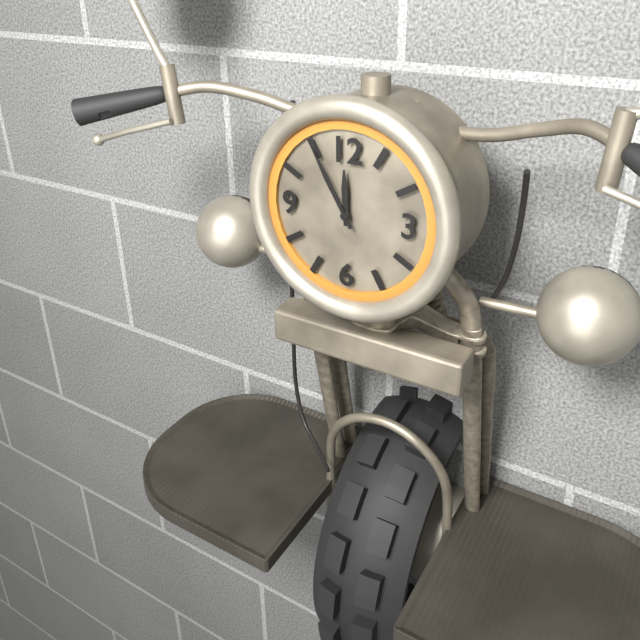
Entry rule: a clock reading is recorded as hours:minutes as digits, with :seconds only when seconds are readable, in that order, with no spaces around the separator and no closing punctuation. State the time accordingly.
11:55
